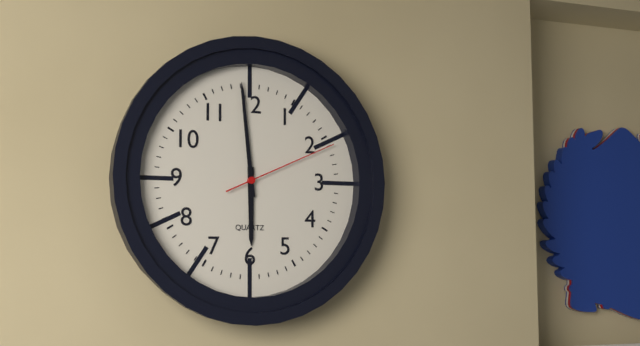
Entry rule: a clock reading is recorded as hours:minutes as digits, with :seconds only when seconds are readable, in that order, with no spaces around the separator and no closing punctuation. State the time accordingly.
5:59:11
